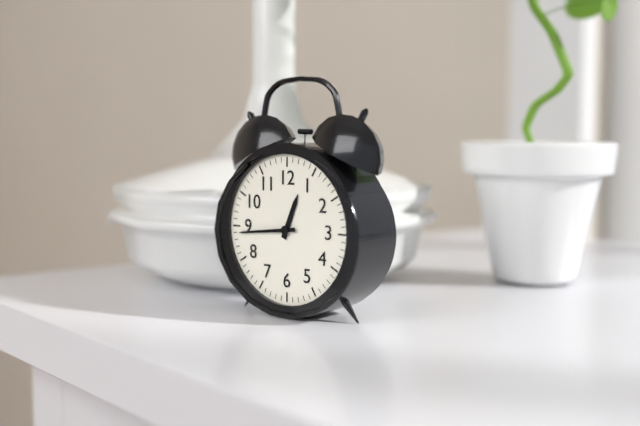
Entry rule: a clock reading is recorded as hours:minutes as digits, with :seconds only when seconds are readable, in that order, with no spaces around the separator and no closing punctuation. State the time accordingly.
12:44
